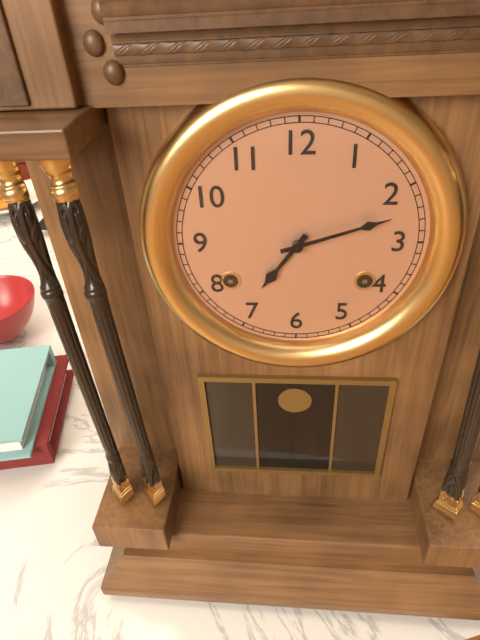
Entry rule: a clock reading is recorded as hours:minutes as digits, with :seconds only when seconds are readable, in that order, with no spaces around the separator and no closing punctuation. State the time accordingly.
7:12
